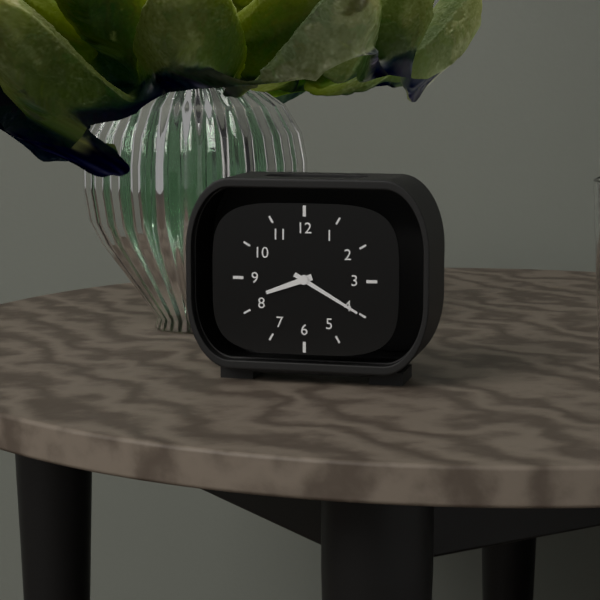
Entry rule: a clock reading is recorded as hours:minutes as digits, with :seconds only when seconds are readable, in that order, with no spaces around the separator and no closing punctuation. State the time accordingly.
8:20
